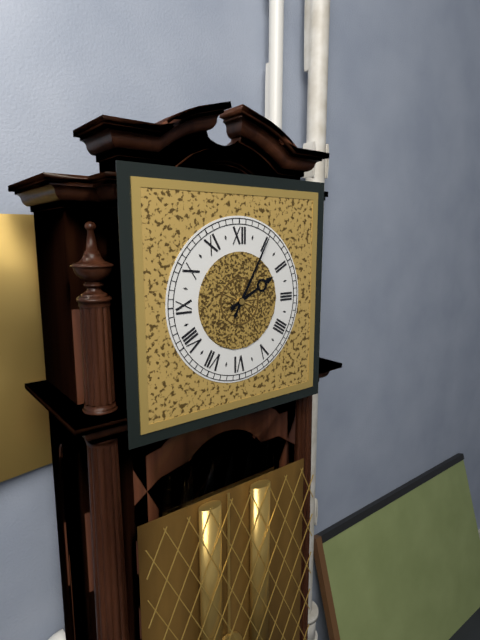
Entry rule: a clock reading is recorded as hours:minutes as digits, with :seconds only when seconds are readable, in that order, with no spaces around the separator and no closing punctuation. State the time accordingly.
2:05
